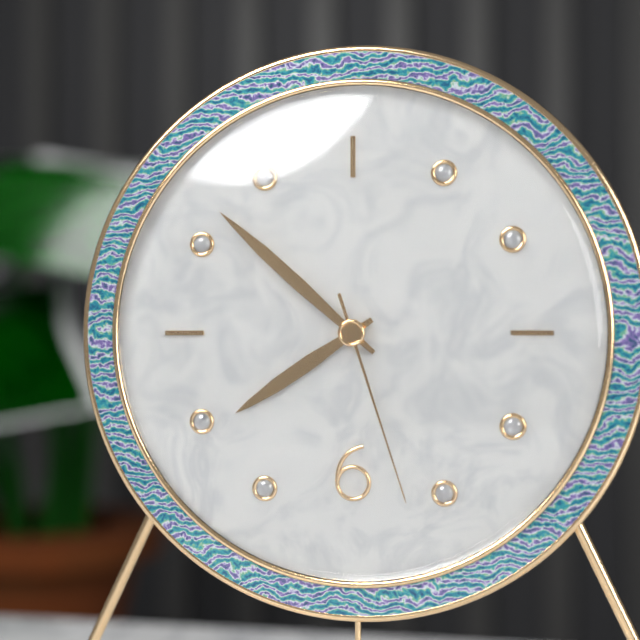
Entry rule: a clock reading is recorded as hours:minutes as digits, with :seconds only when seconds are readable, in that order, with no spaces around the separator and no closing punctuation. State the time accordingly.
7:52:27
